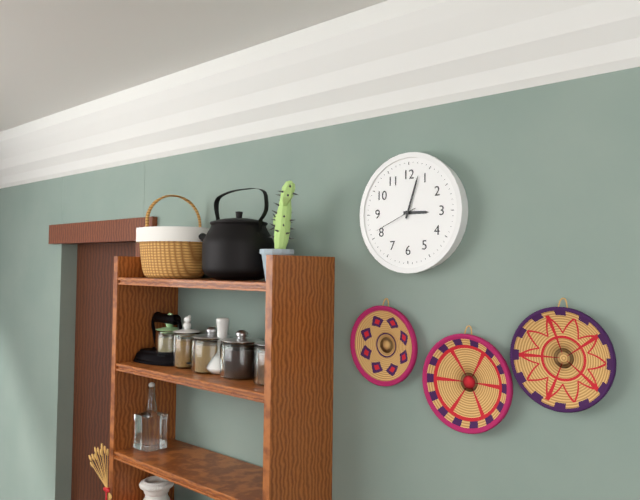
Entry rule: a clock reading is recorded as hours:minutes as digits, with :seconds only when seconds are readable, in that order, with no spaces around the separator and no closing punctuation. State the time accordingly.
3:03
